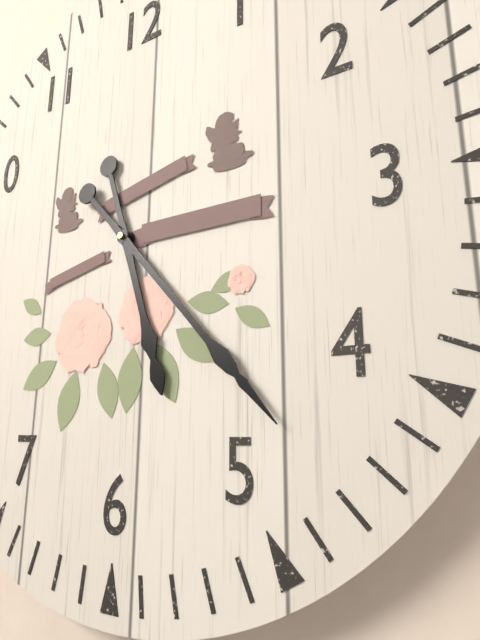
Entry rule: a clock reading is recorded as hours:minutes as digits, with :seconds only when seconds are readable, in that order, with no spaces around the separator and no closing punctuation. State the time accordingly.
5:23
